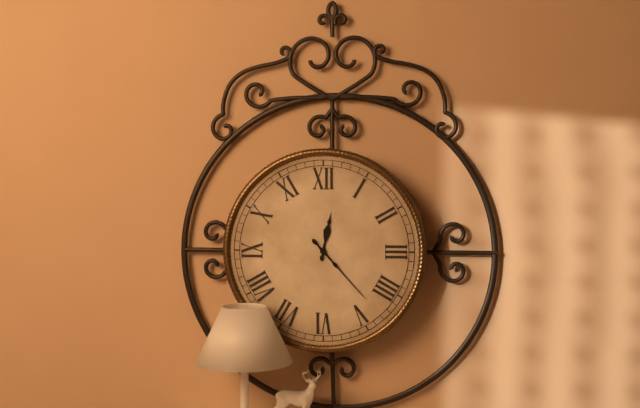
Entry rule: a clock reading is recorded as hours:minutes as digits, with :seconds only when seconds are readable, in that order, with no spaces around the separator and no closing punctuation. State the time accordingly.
12:23
